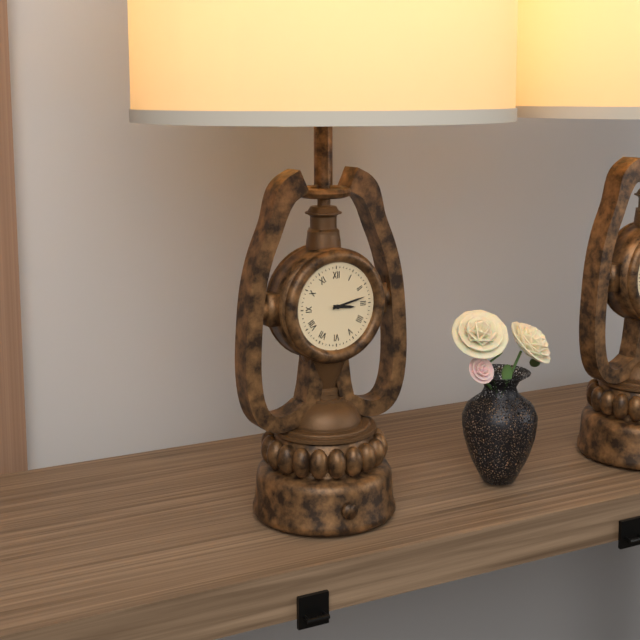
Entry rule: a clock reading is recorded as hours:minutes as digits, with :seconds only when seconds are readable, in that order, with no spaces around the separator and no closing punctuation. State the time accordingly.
3:13
